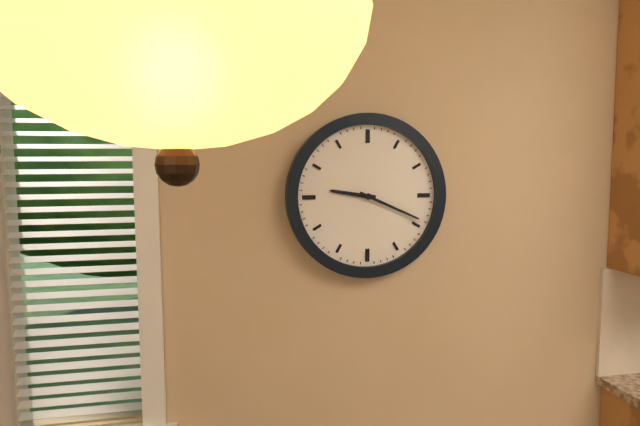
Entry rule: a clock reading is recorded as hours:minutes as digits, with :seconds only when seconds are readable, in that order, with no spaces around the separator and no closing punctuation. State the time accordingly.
9:19
